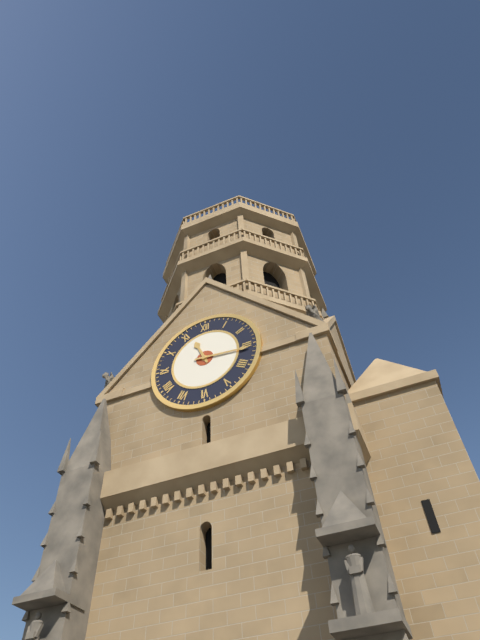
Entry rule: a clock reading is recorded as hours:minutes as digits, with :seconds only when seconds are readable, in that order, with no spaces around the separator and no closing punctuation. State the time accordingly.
11:16
